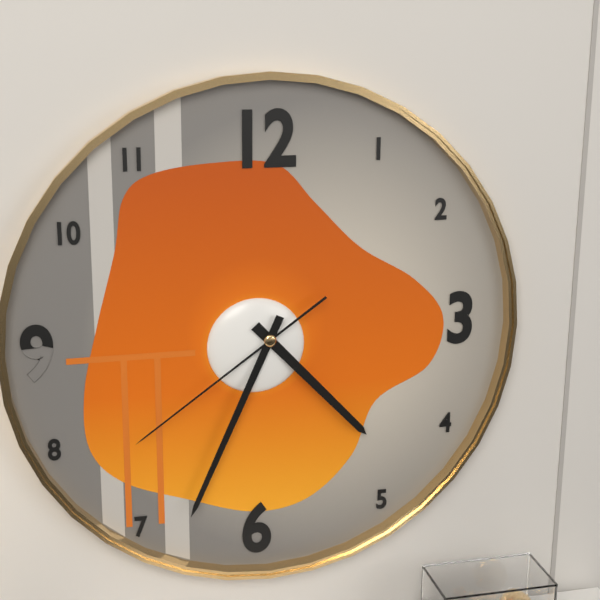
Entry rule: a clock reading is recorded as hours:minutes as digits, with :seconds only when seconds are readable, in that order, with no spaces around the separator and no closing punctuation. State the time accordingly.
4:34:39
